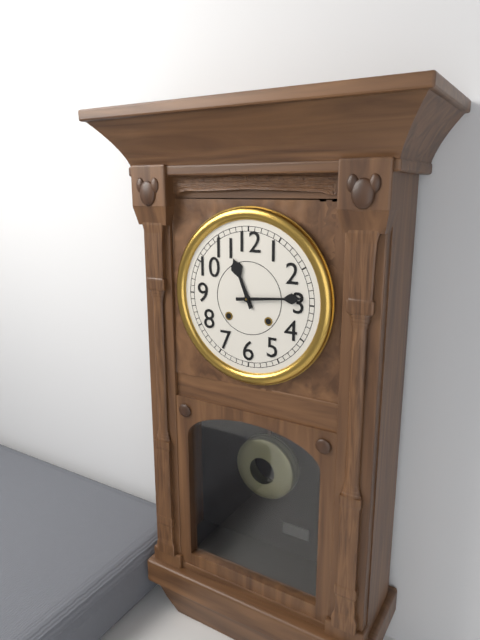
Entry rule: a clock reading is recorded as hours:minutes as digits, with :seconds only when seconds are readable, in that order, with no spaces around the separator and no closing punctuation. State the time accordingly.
11:14
